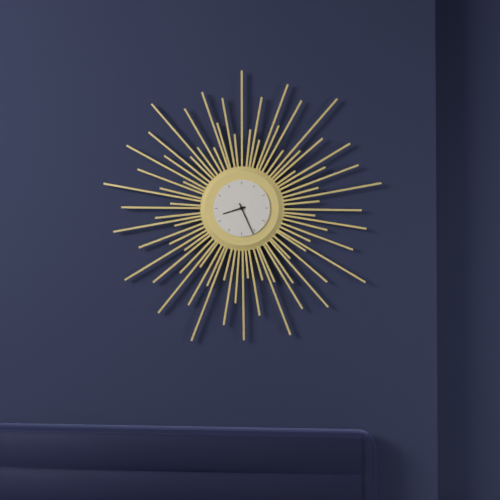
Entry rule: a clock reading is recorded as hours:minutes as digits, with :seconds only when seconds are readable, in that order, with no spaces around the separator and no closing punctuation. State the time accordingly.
8:26
